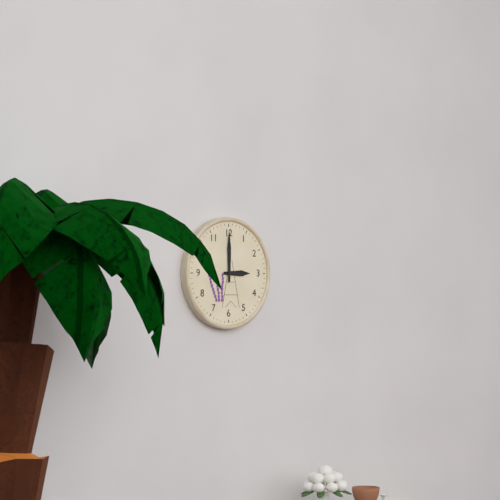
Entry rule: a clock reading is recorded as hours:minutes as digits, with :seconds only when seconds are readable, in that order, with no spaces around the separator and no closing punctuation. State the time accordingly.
3:00
